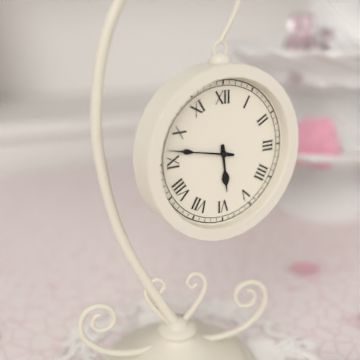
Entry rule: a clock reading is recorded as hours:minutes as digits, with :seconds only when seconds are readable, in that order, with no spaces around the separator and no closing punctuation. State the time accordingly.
5:47
